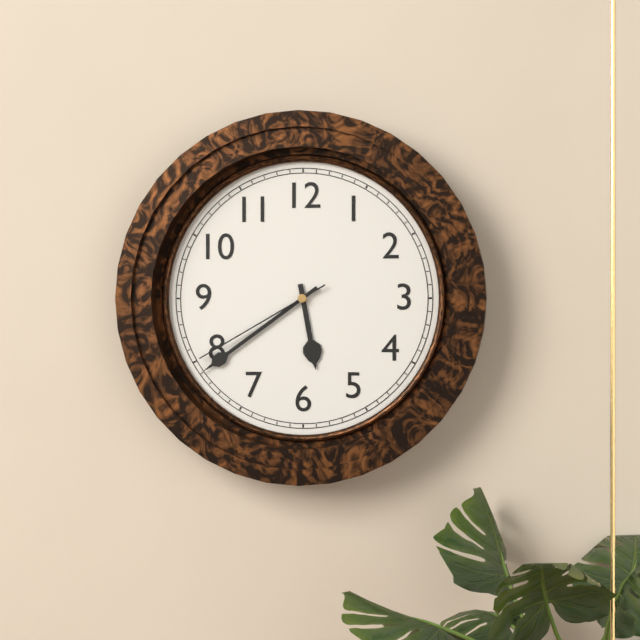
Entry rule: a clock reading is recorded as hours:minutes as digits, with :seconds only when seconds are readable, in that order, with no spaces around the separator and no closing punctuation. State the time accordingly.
5:39:40
